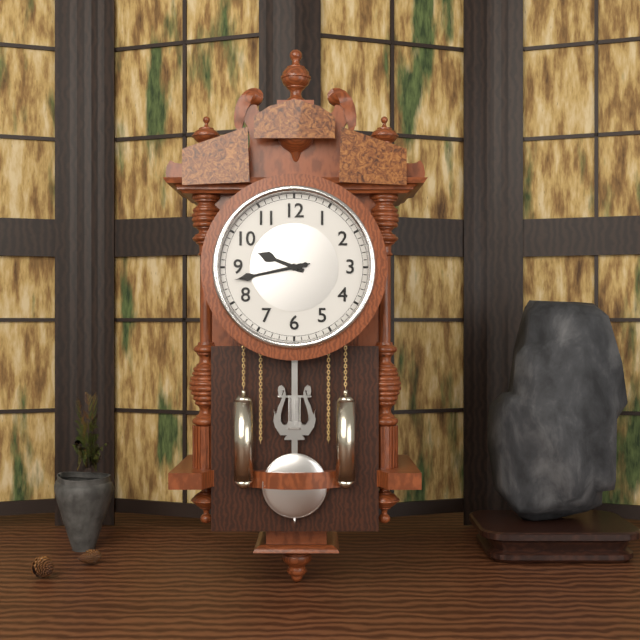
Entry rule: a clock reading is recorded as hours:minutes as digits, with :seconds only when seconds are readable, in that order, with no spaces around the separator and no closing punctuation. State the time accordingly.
9:43:43
